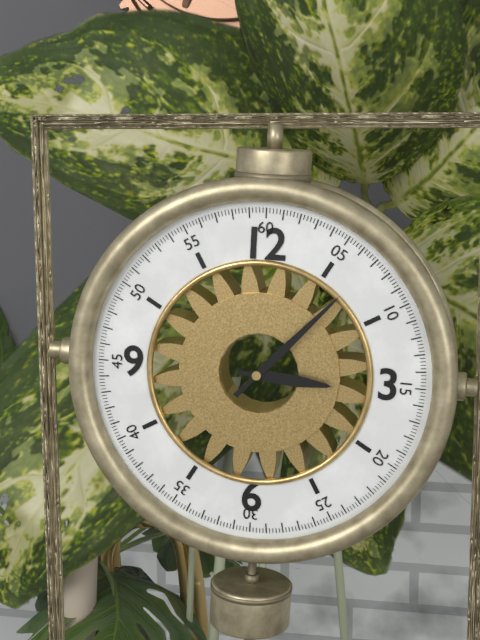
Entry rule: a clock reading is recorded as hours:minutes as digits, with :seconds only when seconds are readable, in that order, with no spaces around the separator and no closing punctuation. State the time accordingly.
3:07
